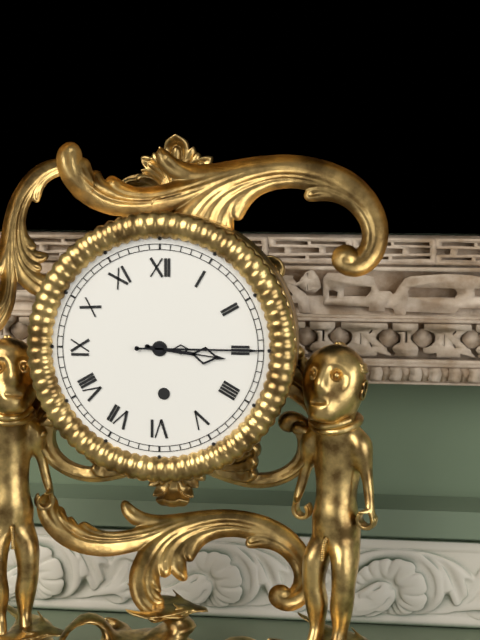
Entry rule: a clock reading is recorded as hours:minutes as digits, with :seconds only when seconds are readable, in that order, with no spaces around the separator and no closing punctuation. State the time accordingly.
3:15
